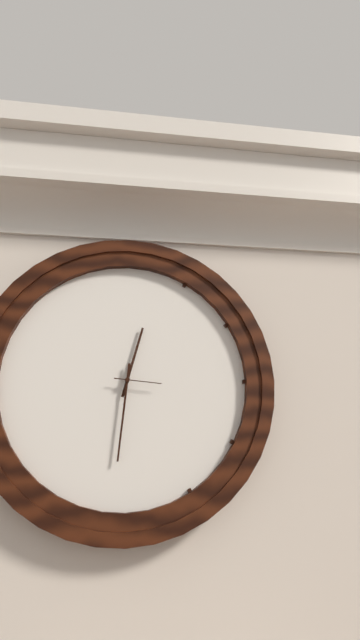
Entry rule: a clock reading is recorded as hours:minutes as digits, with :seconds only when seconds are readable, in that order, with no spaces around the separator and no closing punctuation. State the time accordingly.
12:31
